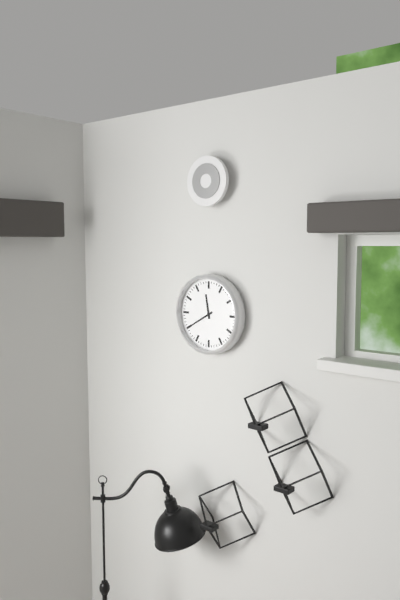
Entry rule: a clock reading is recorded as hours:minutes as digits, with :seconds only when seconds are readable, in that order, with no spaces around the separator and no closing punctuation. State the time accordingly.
11:40
